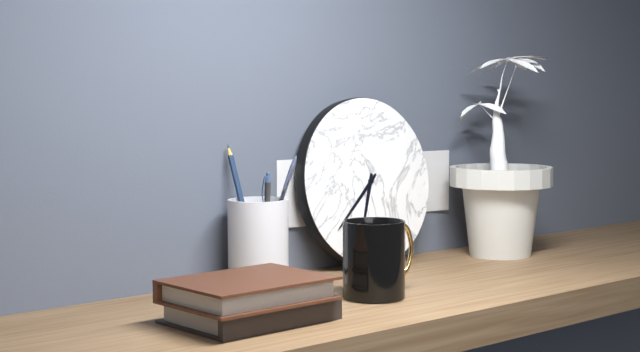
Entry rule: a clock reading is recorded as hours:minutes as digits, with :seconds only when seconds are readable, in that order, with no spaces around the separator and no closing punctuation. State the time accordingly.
6:38
